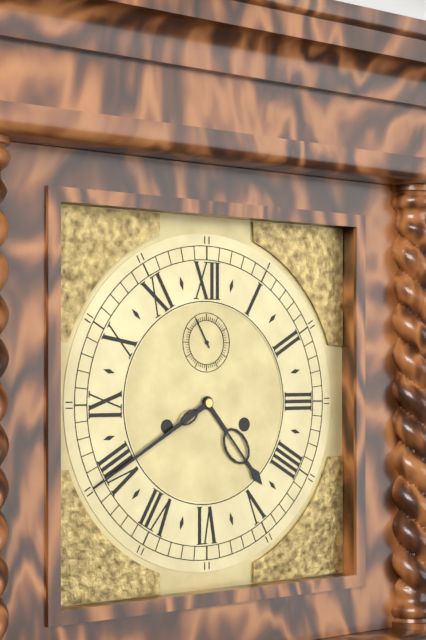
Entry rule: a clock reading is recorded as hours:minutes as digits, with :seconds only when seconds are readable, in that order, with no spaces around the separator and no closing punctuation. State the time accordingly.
4:40
